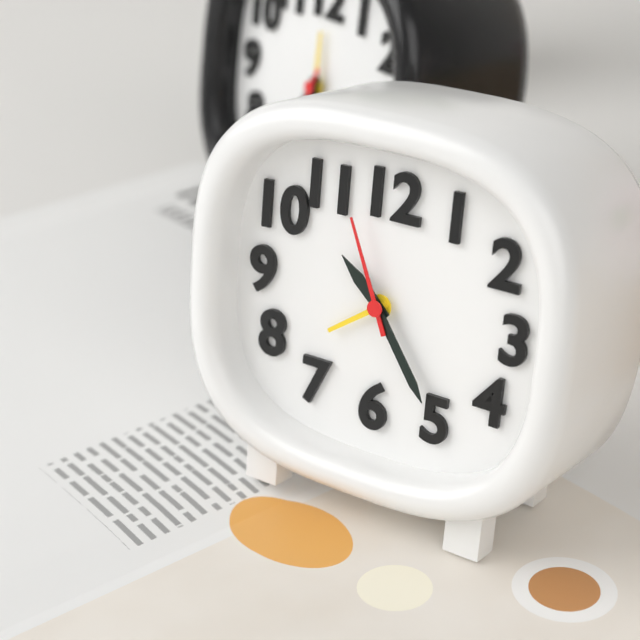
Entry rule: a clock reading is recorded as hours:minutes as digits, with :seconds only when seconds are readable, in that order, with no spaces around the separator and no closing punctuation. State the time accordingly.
10:24:56
